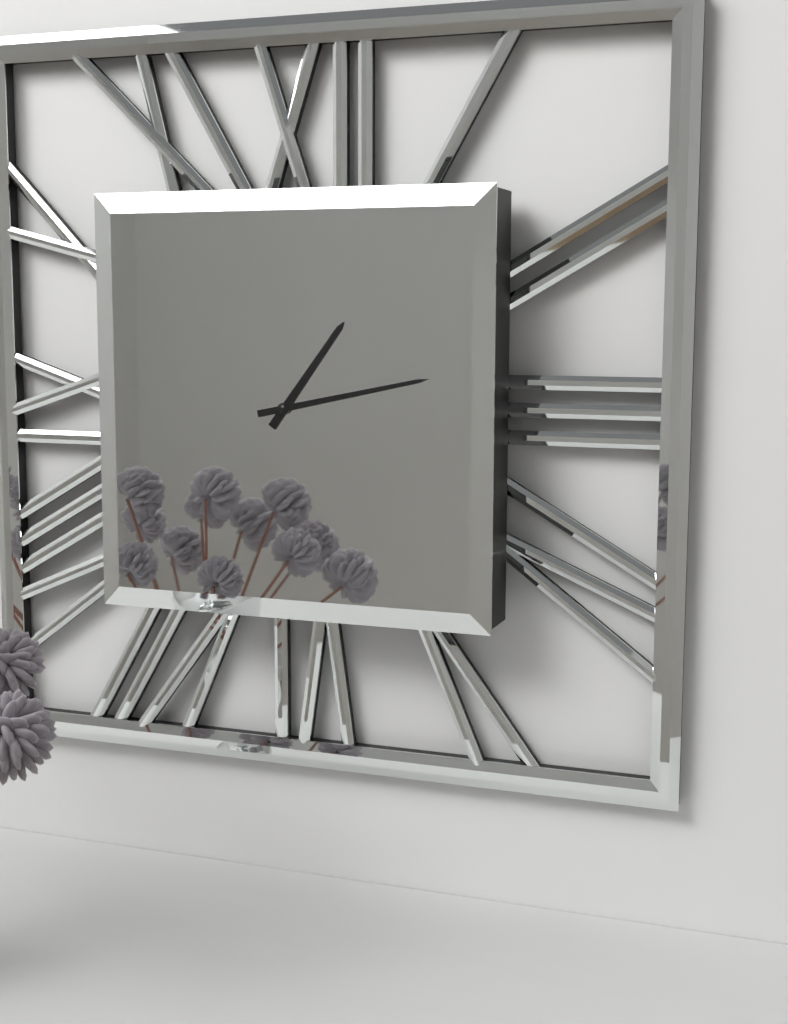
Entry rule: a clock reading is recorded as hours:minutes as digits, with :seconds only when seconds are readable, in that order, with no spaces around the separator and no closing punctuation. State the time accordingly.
1:13
